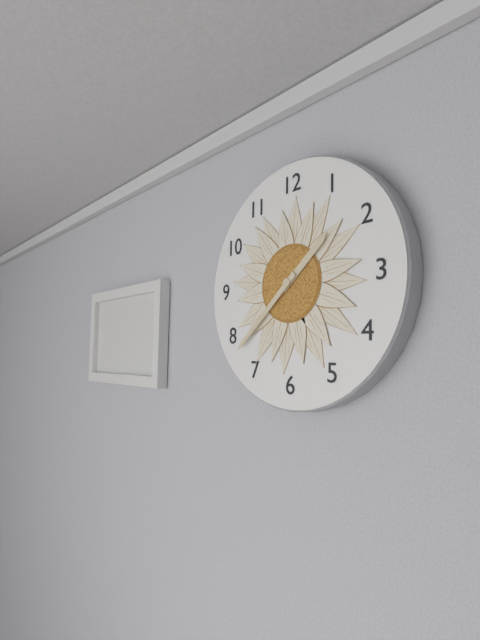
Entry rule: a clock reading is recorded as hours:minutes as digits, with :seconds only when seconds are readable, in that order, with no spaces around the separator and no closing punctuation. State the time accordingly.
1:38
